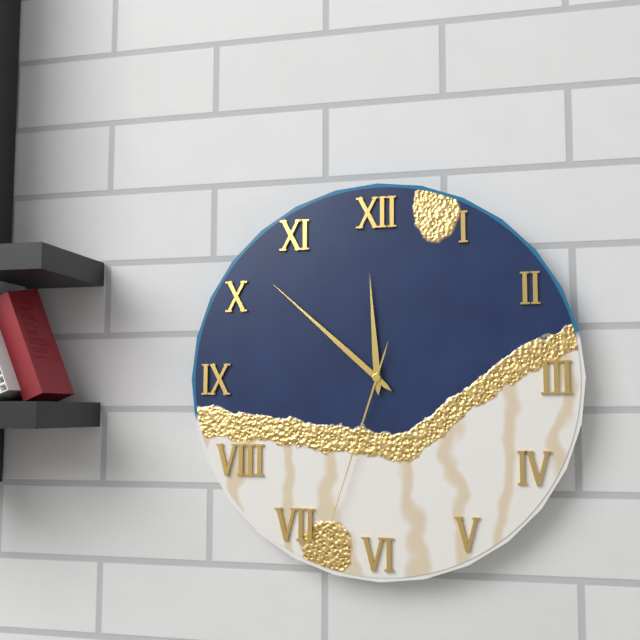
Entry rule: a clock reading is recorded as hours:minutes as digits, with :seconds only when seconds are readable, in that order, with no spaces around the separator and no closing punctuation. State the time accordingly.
11:52:33
